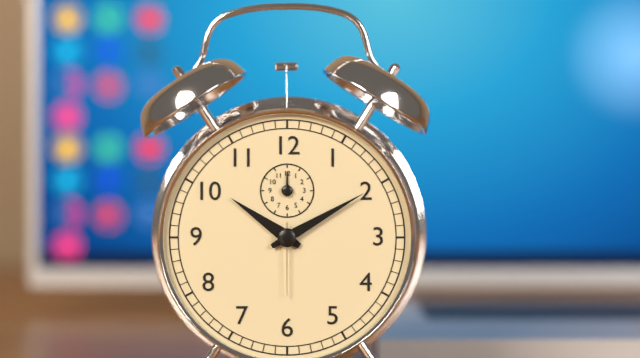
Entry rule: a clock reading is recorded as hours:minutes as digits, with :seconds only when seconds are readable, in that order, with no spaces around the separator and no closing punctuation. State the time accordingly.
10:10:30
